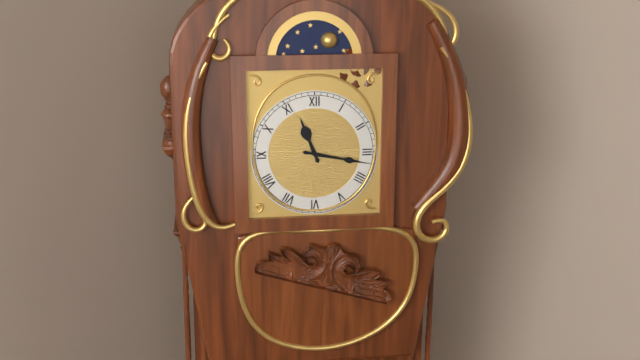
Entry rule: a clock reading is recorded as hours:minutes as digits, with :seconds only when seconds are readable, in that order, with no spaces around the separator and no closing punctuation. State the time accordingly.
11:17
